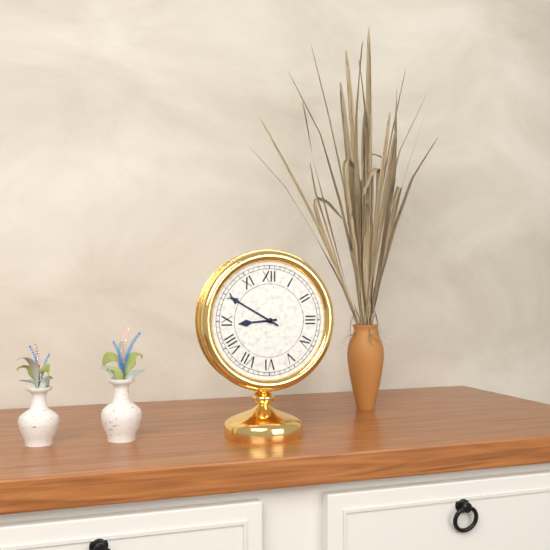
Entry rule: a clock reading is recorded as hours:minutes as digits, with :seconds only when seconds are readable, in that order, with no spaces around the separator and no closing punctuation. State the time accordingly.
8:50
